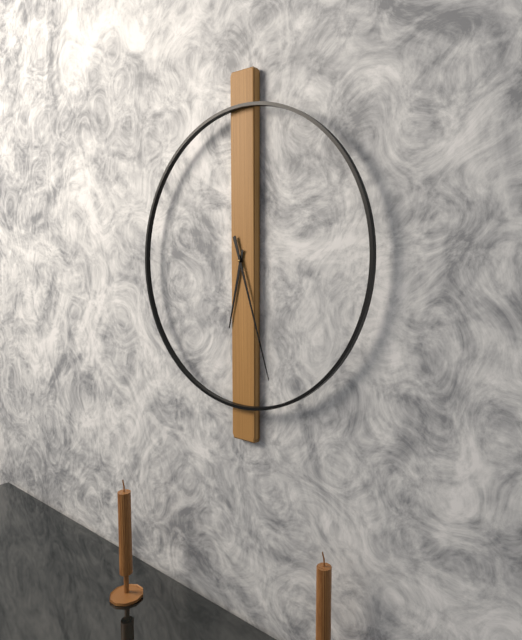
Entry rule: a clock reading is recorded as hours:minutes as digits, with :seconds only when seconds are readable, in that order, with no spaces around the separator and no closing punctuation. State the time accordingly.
6:27
